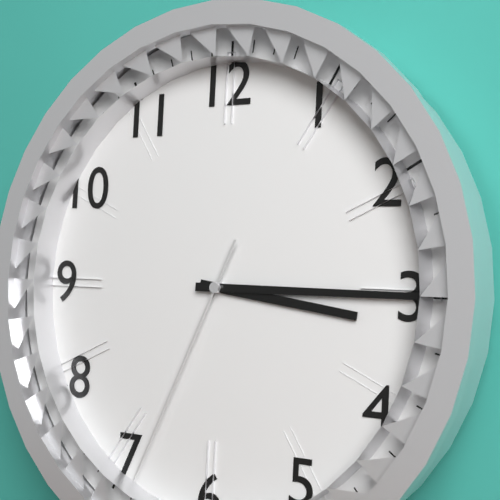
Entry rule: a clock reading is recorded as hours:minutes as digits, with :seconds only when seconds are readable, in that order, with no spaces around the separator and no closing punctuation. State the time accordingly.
3:15:34
